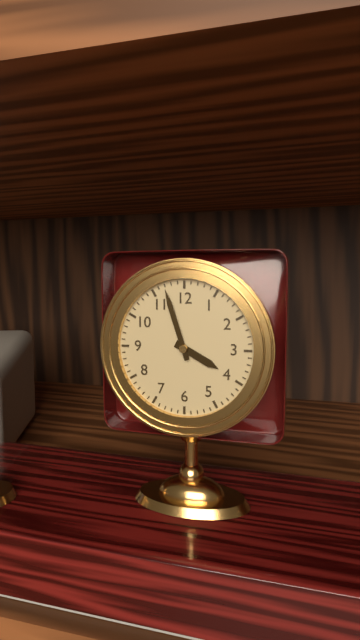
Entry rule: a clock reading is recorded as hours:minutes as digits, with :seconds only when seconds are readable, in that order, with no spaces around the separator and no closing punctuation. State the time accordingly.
3:57
